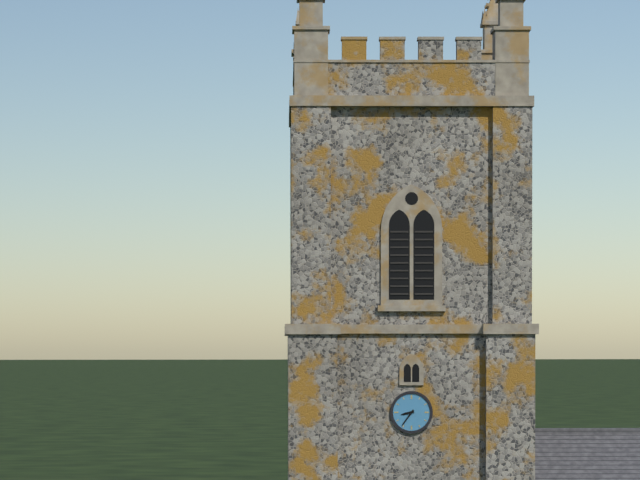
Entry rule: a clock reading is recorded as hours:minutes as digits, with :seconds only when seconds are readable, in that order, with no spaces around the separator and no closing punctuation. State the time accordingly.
8:36
